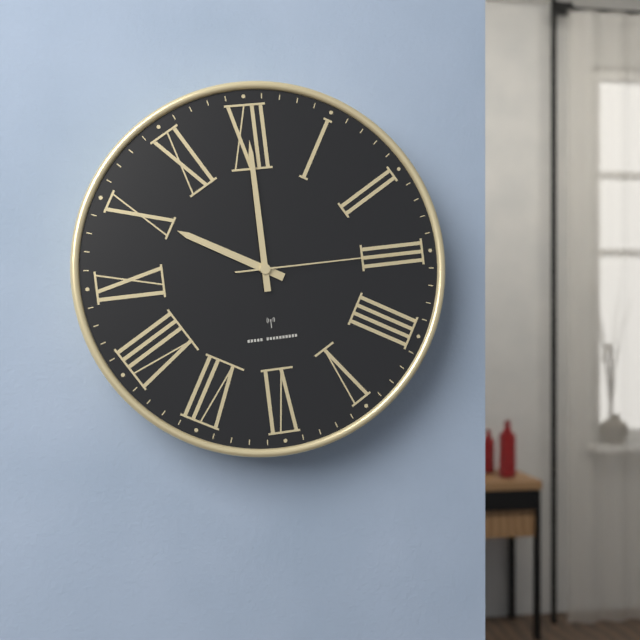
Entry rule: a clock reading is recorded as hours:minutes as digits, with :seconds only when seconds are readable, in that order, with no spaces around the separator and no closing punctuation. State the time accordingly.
10:00:15
